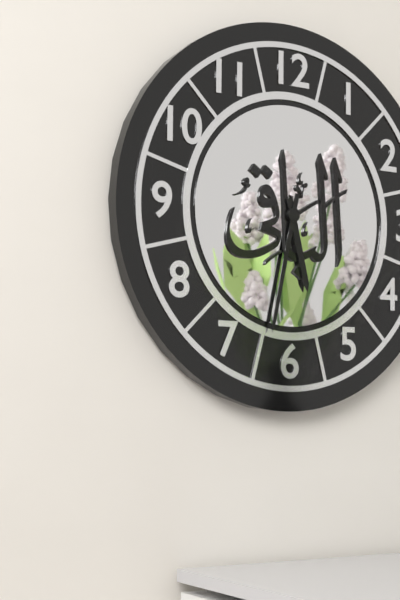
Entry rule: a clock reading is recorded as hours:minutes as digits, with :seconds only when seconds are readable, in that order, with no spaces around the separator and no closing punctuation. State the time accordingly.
5:32
